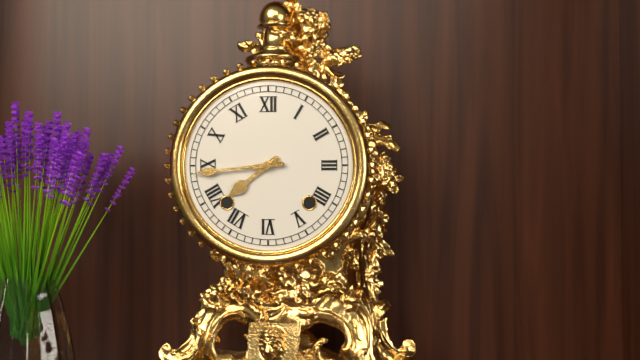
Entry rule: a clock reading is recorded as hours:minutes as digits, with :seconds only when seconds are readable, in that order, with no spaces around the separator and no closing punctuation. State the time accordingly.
7:44
